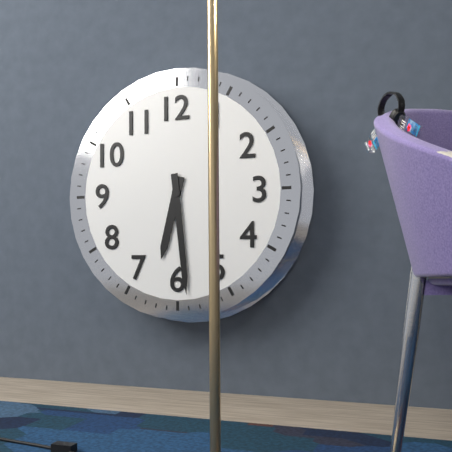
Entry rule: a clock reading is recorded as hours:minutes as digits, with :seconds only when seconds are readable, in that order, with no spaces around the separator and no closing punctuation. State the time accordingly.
6:29
